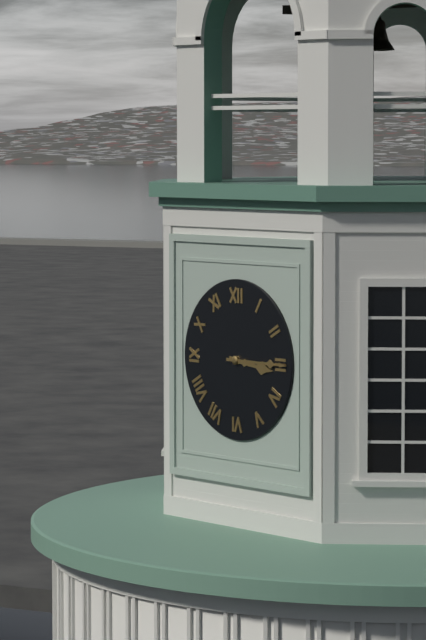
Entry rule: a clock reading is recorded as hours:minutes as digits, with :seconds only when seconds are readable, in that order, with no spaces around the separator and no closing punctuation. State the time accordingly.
3:15
